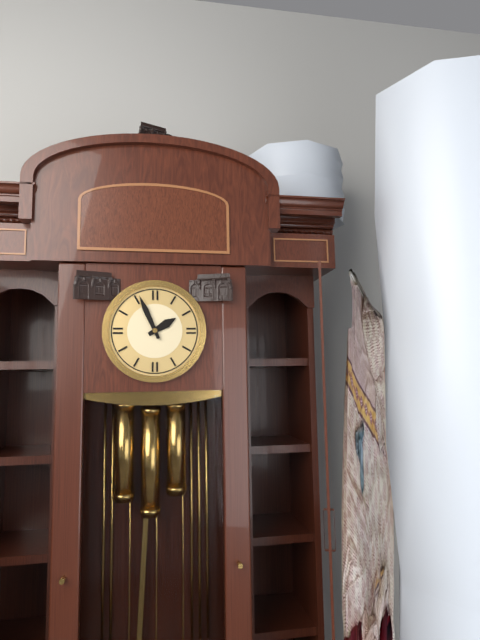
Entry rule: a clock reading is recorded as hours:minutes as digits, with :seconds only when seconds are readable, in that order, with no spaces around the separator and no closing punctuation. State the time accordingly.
1:56
